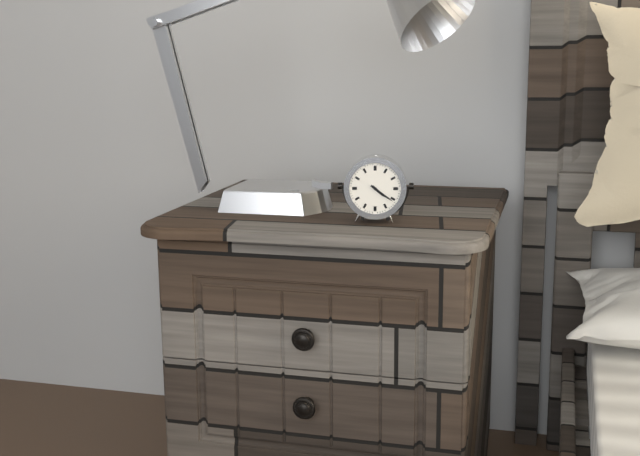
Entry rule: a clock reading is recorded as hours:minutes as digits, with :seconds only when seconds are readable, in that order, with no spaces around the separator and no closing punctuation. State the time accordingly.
4:21
